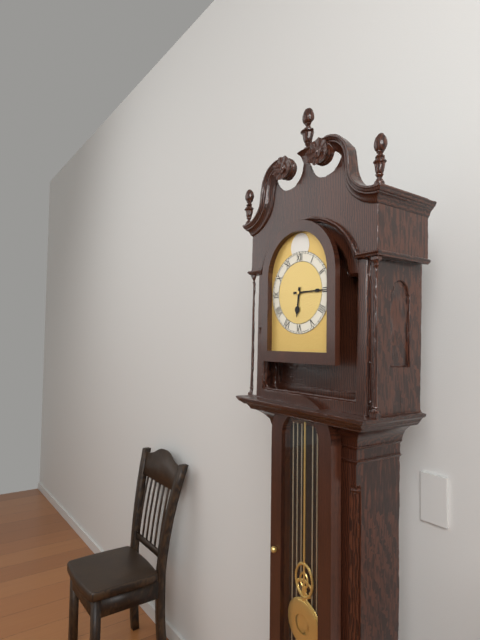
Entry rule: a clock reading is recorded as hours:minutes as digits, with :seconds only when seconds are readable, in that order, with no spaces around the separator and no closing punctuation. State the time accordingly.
6:15
